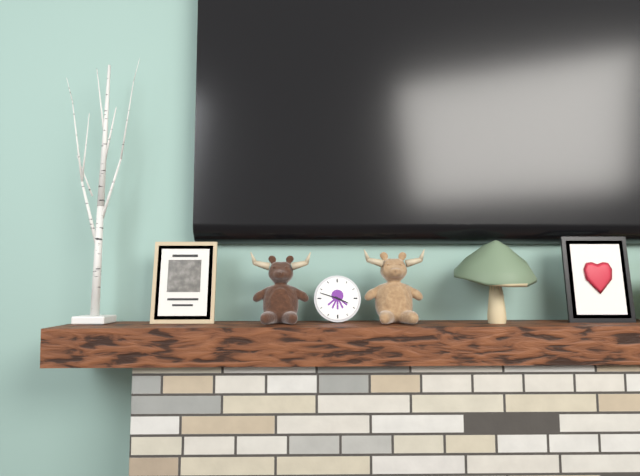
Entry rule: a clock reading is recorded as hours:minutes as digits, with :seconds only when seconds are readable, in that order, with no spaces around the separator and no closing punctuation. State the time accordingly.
3:48
